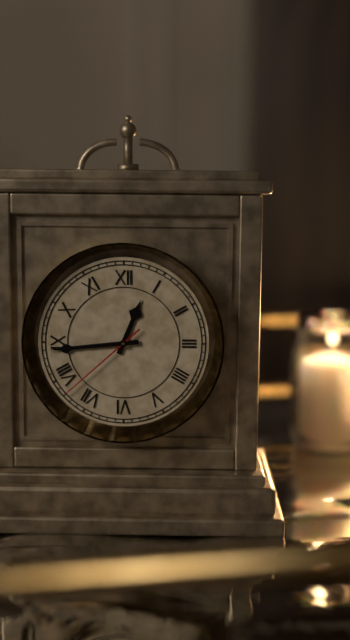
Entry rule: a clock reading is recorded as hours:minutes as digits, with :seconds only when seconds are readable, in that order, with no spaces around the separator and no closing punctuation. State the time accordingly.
12:44:38
